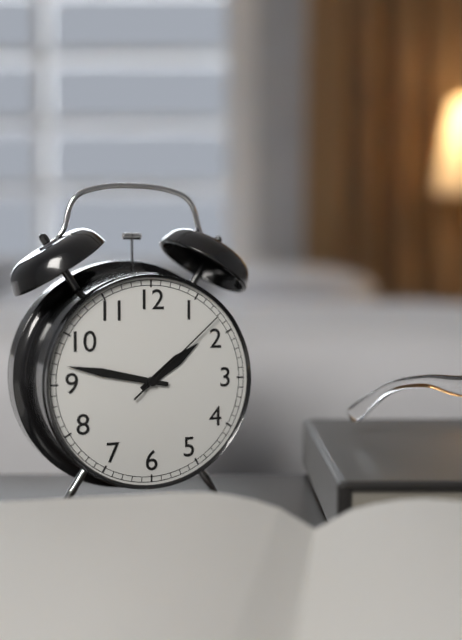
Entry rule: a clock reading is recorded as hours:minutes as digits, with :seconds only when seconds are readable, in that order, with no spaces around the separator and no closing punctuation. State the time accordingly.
1:47:08
